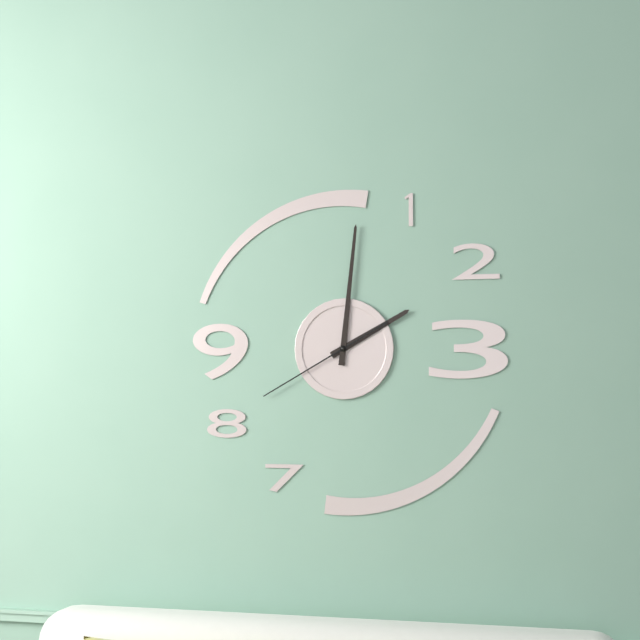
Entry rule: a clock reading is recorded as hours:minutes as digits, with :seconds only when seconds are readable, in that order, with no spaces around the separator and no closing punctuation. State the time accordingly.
2:01:40
